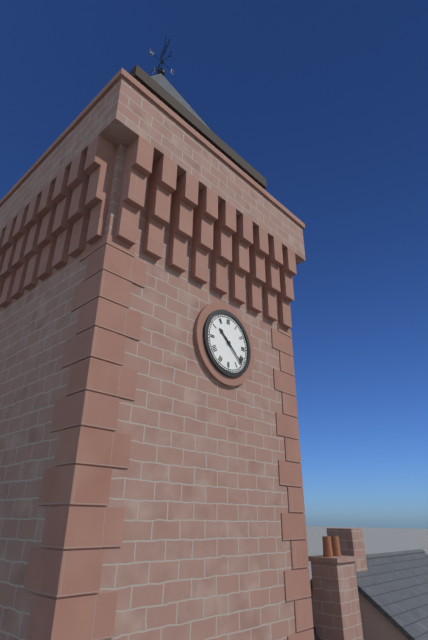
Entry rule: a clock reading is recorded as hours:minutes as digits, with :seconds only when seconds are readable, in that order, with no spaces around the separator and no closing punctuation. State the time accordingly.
10:22
